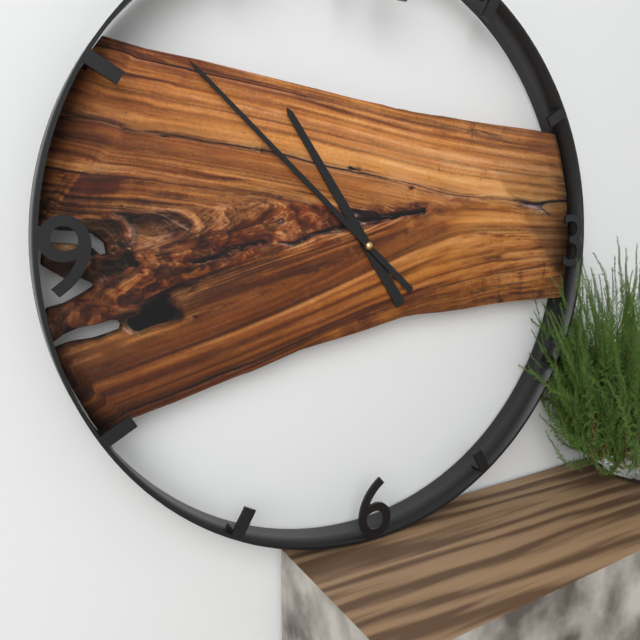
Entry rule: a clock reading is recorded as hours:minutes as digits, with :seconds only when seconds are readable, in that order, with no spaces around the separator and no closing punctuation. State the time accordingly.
10:52
